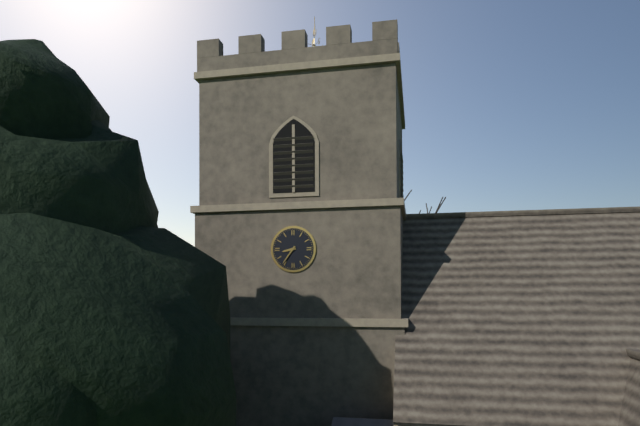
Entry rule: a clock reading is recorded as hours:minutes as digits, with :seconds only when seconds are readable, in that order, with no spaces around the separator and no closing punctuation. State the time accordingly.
8:36
